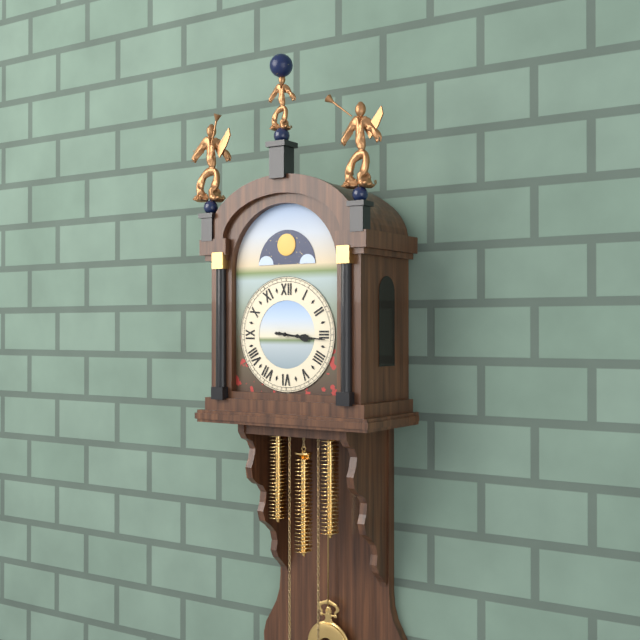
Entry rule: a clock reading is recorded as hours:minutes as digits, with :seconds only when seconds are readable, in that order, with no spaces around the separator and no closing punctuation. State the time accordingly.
3:16
